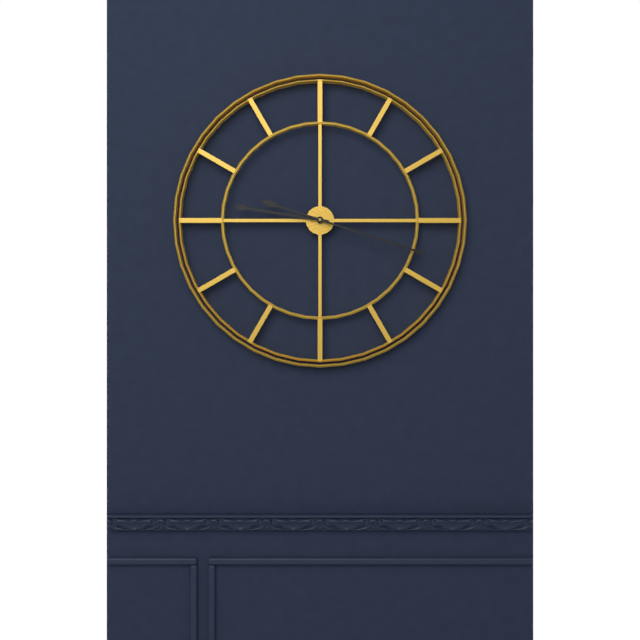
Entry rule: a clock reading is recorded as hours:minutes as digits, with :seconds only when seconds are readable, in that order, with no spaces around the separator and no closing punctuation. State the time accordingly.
9:18
